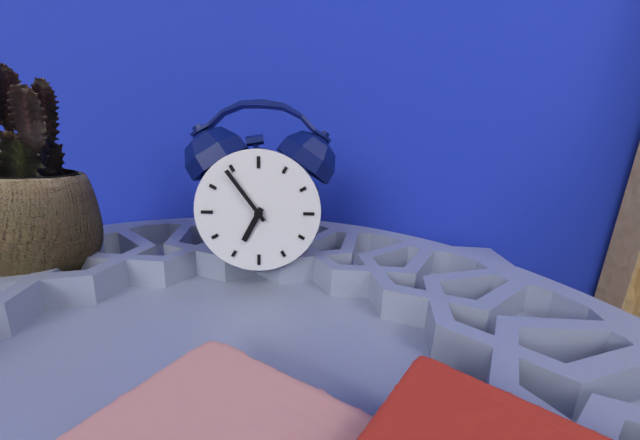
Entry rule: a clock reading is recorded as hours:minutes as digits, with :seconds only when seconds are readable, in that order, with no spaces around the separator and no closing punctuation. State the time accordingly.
6:54
